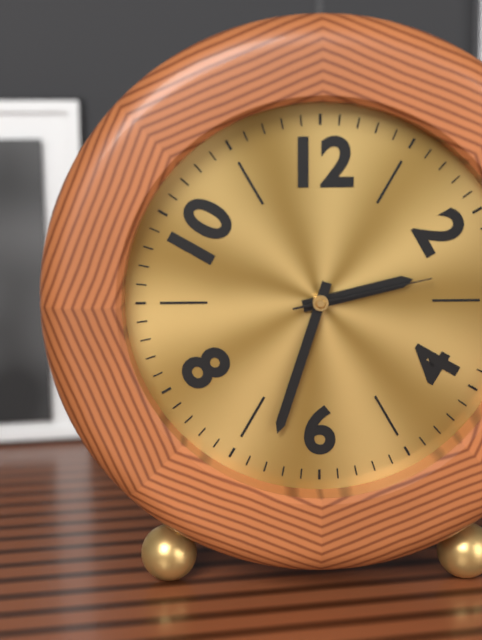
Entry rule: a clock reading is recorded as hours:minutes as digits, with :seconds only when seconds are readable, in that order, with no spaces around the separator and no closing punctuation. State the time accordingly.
2:33:13
